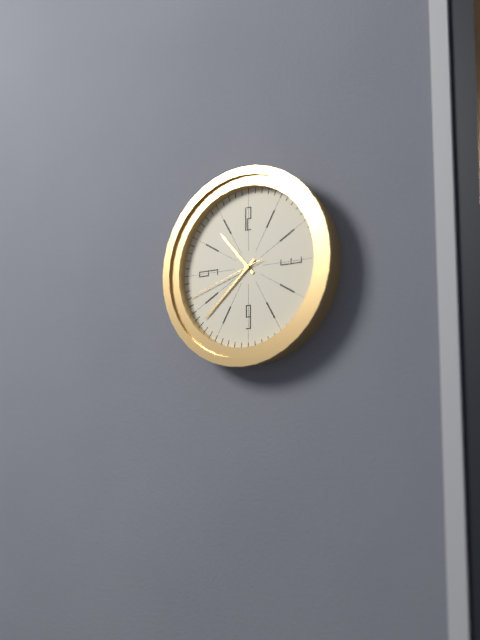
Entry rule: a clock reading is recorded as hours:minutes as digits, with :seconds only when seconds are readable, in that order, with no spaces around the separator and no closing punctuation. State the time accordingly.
10:38:42
